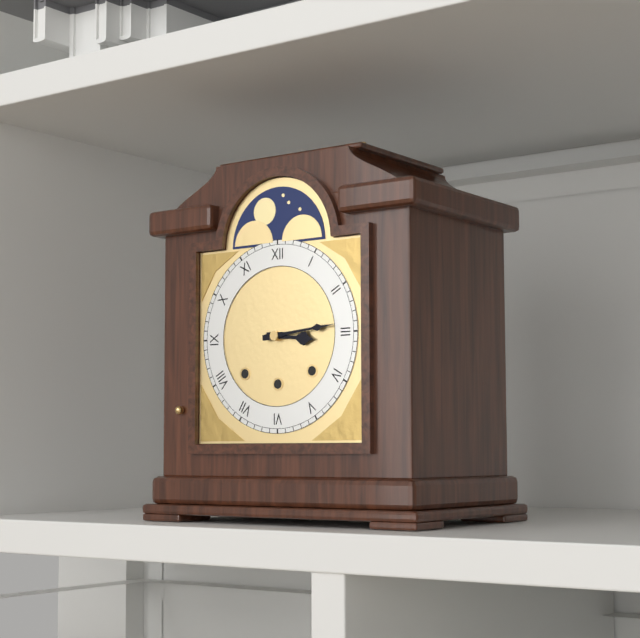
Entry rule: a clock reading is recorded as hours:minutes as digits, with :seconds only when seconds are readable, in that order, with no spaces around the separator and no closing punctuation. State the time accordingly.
3:14
